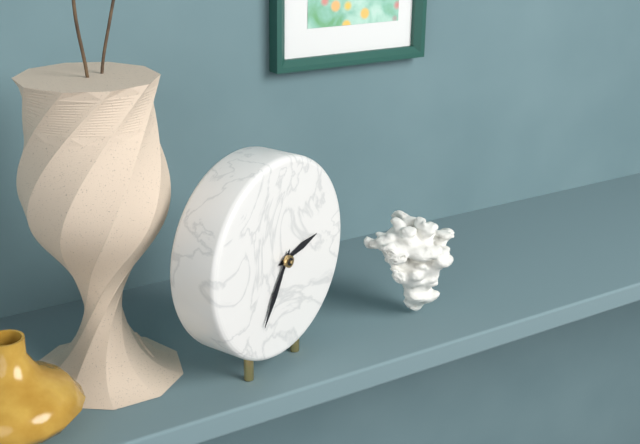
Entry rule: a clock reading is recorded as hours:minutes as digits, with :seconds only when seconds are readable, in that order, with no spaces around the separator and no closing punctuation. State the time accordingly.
2:35
